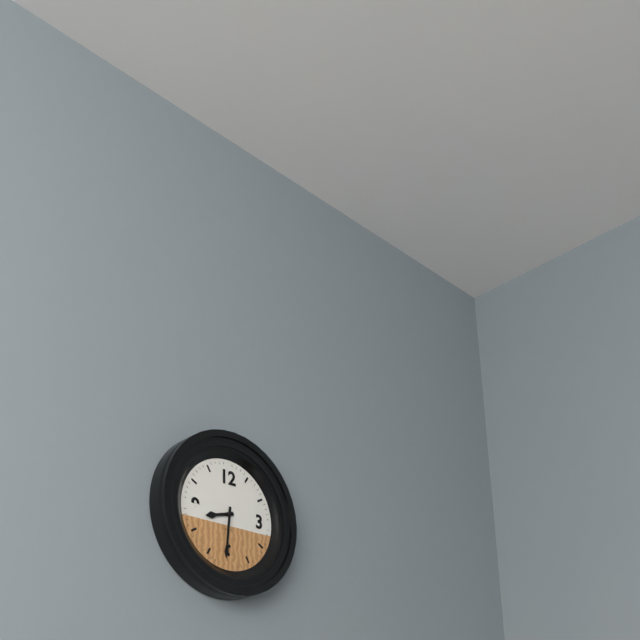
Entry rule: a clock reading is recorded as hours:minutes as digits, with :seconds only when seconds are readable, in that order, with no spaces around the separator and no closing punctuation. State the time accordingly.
8:31
